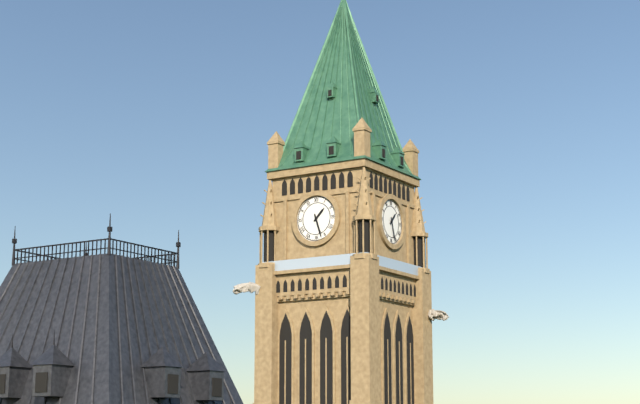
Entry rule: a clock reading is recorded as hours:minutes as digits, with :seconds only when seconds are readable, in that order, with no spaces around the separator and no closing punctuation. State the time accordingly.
1:27
